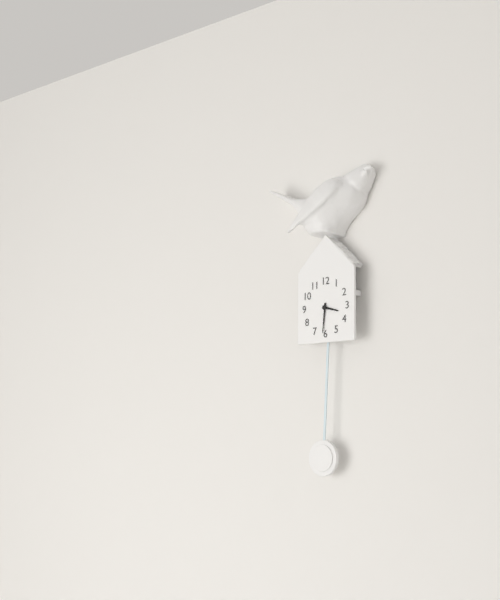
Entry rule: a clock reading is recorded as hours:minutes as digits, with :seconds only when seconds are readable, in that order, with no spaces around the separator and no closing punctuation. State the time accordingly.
3:31
